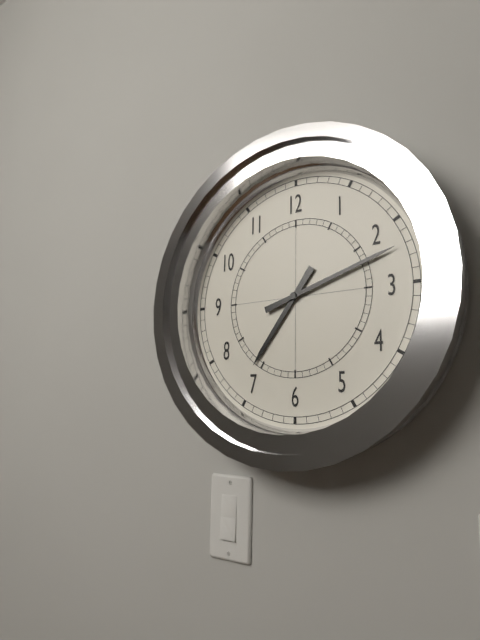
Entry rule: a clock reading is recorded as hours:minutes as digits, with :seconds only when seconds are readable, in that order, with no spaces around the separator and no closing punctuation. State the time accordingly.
7:12
